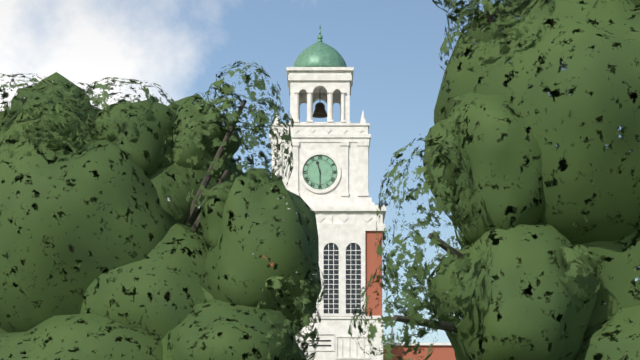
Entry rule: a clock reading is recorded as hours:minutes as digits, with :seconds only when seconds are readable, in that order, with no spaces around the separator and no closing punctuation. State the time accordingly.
11:30
